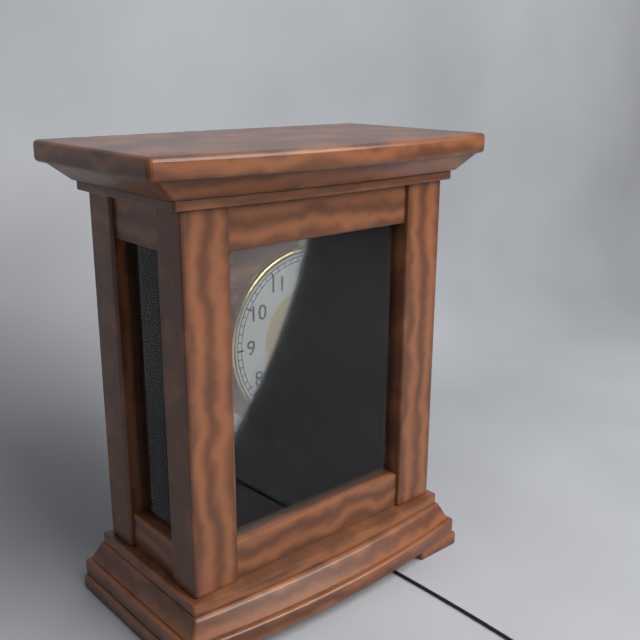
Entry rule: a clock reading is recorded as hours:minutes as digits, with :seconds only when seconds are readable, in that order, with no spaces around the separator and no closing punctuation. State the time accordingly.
12:19
